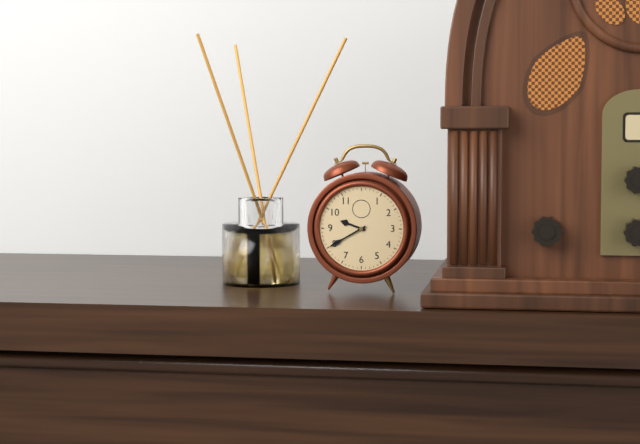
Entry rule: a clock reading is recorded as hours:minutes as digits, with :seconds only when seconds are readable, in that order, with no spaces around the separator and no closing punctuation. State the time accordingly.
9:40
